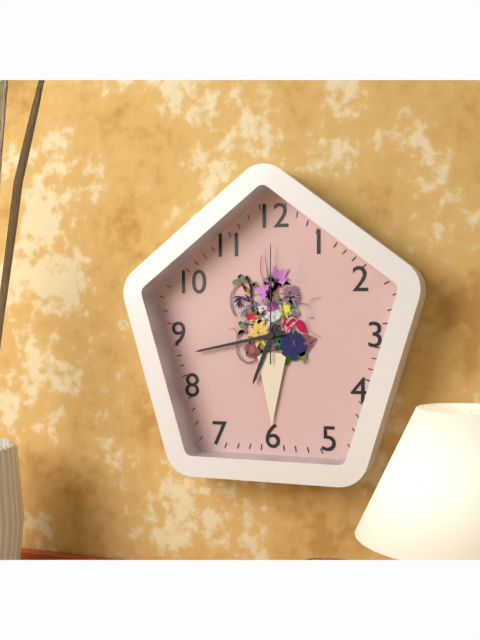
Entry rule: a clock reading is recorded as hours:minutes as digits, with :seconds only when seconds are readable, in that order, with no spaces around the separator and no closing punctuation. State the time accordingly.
6:43:00
